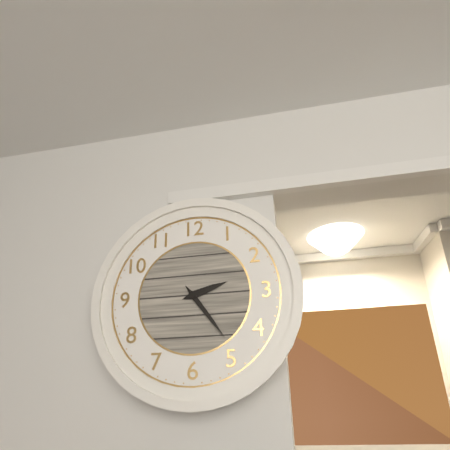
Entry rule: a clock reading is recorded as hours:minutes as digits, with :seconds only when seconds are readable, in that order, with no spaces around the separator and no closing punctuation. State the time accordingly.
2:24
